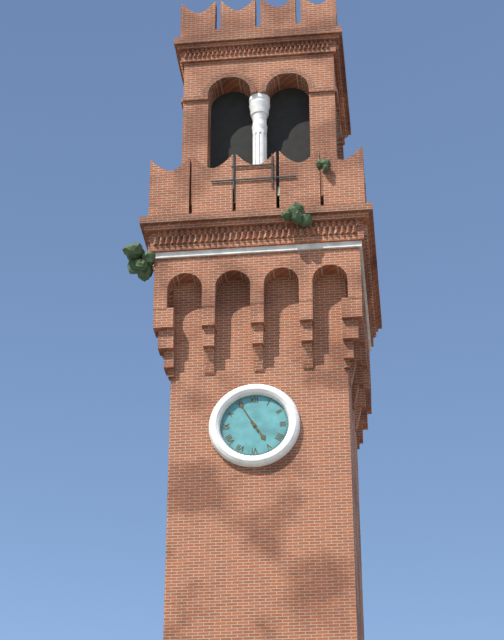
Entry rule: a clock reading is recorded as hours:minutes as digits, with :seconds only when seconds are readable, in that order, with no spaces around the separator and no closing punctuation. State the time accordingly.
4:55
